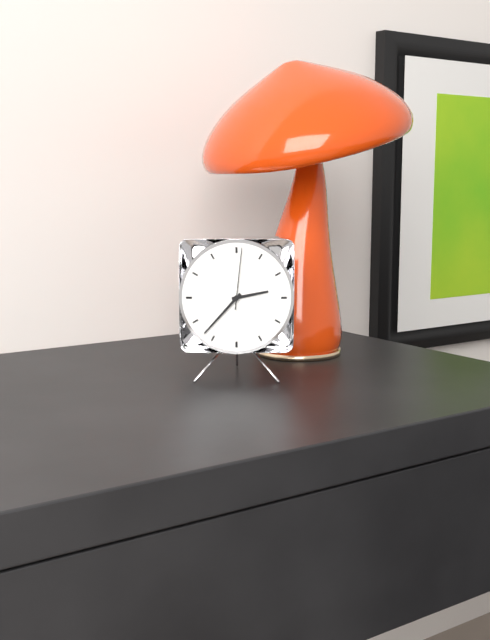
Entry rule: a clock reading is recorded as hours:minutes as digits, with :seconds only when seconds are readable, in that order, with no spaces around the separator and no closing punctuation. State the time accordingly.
2:37:01
